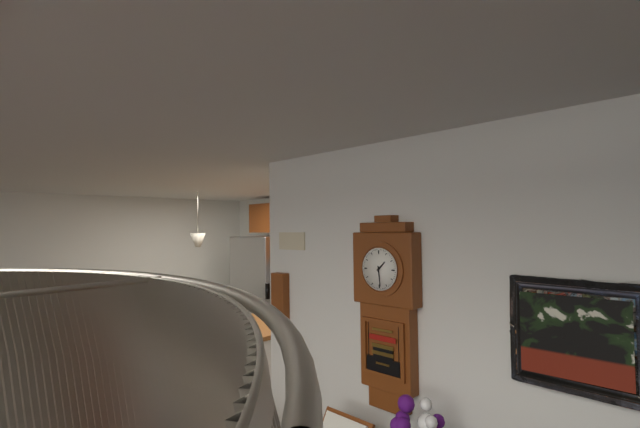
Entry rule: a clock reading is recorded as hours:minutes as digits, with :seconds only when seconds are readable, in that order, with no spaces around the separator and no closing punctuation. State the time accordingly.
1:29
